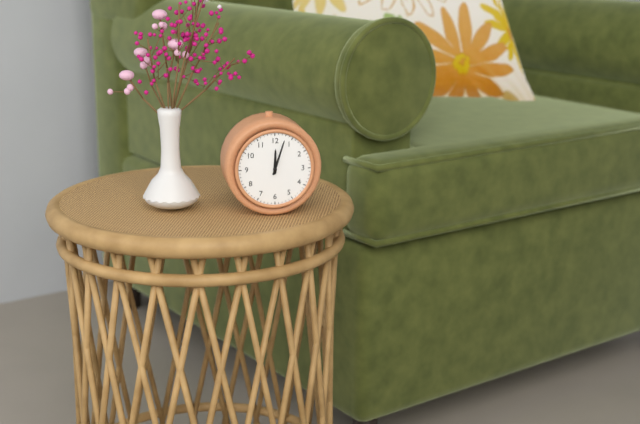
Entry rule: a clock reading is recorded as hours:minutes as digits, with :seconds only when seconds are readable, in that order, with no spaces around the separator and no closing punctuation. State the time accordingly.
12:03
